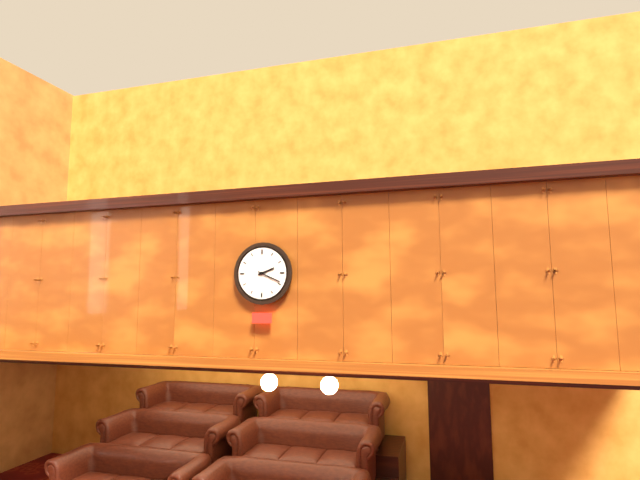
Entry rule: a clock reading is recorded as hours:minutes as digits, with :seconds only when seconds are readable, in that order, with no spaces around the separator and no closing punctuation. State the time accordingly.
2:19
